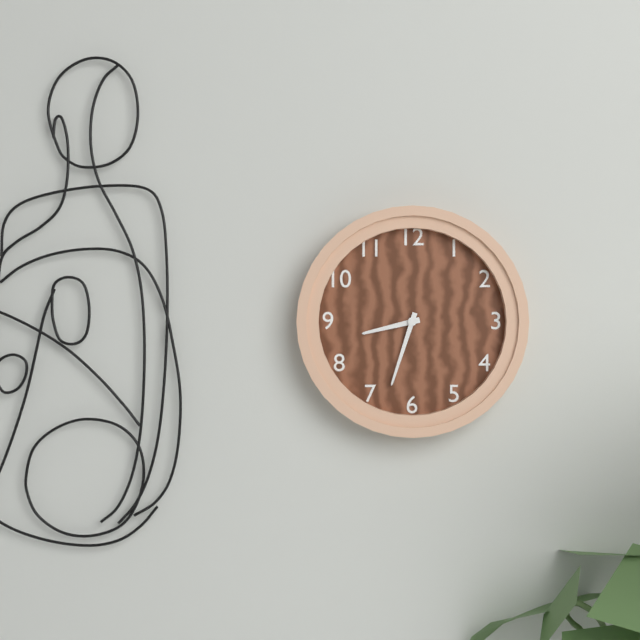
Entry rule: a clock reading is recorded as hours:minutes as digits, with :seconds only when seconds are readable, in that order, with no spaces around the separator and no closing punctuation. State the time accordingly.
8:33
